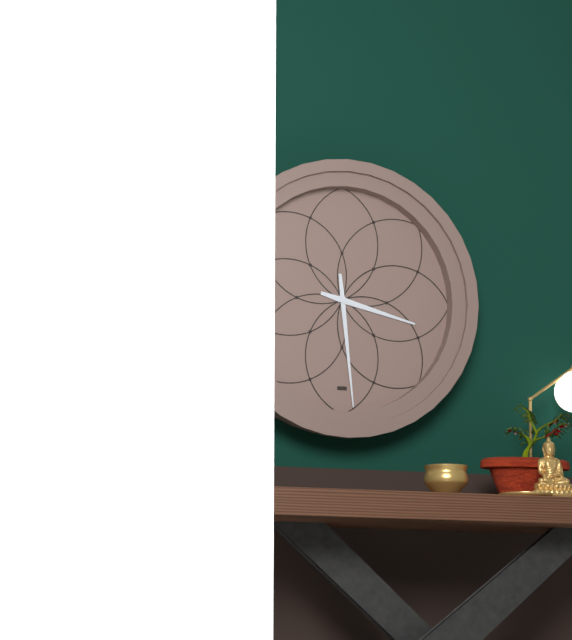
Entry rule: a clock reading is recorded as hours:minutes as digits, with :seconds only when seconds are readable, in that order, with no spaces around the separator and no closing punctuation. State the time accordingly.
3:29
